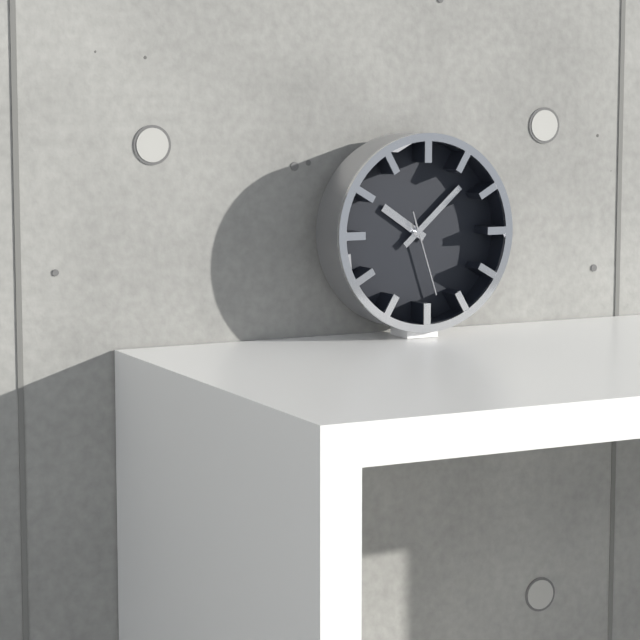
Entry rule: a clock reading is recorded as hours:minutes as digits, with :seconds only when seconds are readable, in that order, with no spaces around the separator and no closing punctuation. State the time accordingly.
10:08:27
